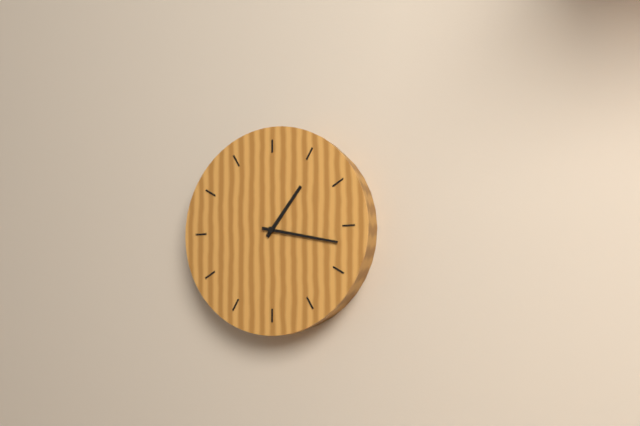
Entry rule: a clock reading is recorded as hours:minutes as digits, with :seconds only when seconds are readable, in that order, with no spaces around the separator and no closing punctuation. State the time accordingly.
1:17
